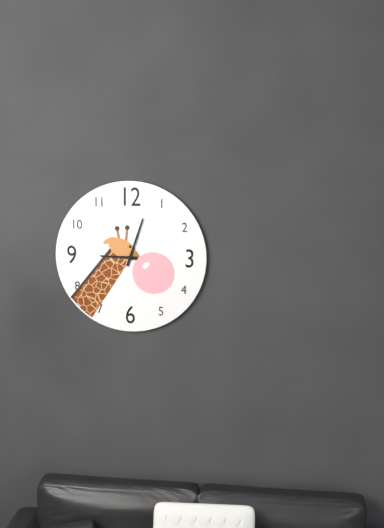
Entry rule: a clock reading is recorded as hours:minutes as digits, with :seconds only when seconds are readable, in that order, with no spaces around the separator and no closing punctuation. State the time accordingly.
9:03
